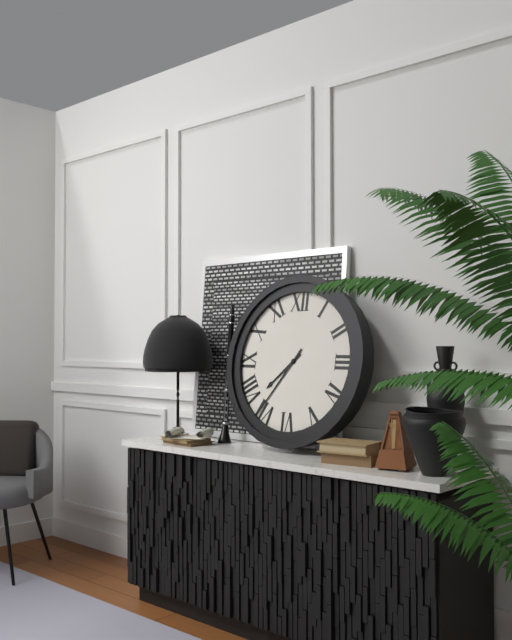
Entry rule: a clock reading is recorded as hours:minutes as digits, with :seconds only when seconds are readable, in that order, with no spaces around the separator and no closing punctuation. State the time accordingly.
7:36
